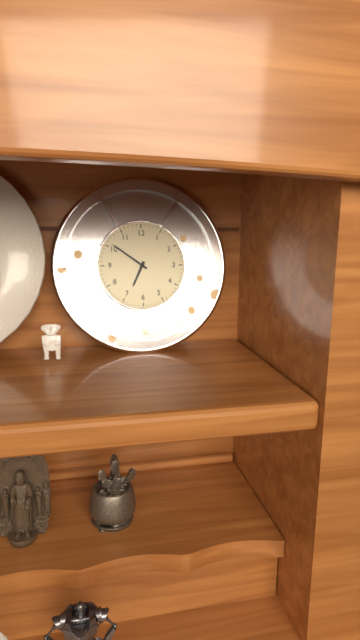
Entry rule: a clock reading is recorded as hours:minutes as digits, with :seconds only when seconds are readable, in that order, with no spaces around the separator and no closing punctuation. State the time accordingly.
6:51
